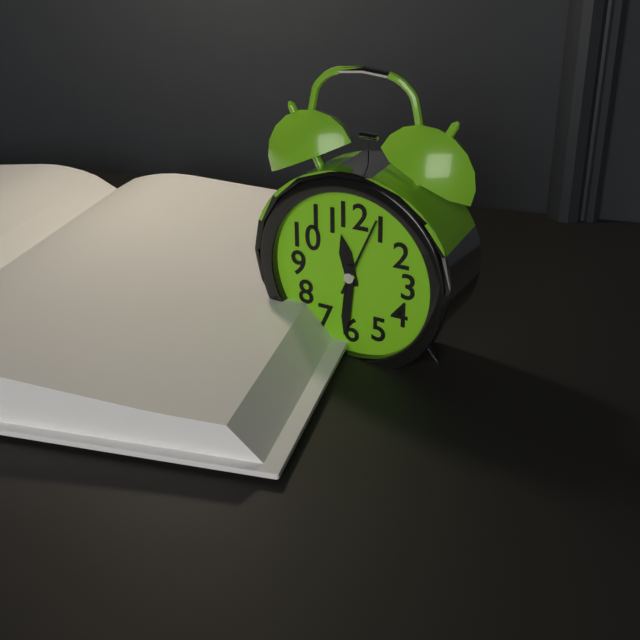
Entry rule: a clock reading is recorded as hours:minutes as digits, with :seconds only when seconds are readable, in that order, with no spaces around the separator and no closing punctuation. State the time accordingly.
11:31:04
